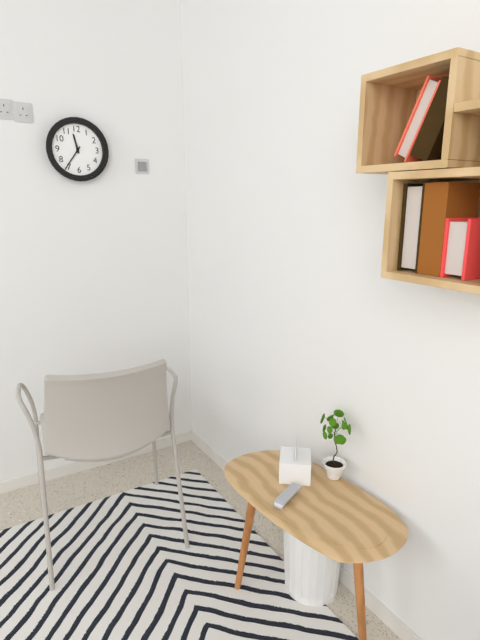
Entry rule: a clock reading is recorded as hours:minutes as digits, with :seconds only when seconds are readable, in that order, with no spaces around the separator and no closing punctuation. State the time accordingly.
11:36
